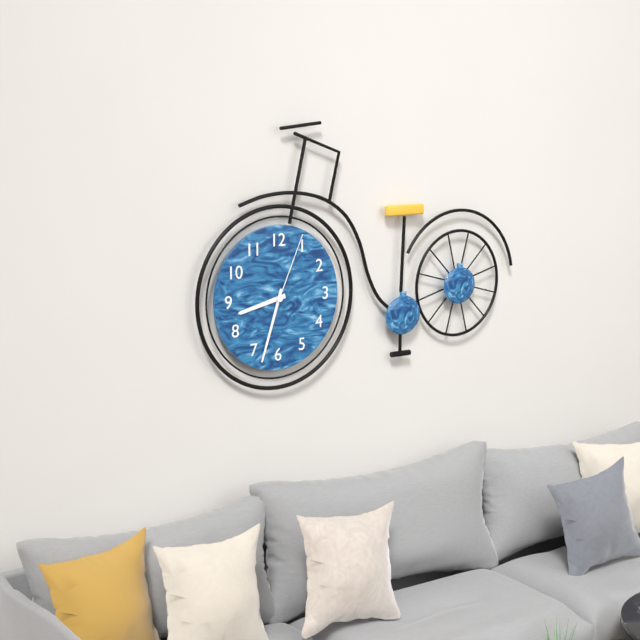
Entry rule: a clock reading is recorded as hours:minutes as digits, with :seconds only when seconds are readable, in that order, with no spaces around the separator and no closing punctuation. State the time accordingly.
8:33:04
